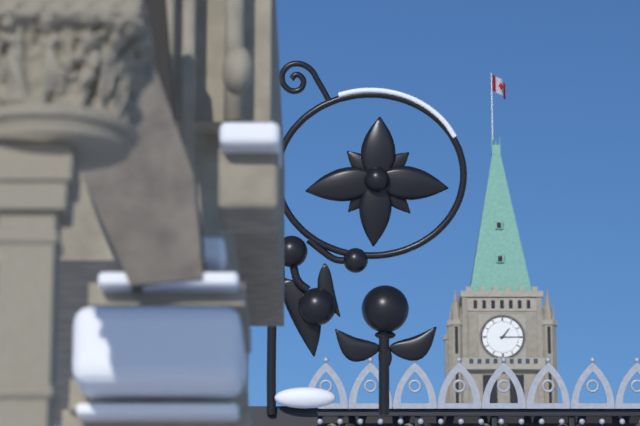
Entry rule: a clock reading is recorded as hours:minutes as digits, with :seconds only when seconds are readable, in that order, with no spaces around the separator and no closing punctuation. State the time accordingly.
1:15
